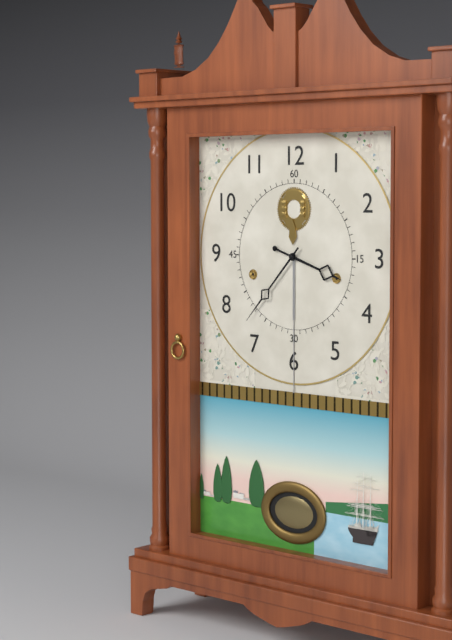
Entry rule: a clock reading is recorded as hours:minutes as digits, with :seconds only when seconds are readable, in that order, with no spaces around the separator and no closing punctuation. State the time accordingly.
3:37
